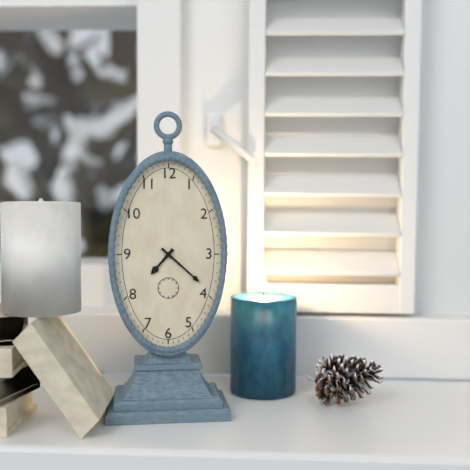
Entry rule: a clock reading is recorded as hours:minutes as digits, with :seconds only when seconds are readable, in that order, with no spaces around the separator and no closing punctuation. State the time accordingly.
7:22
